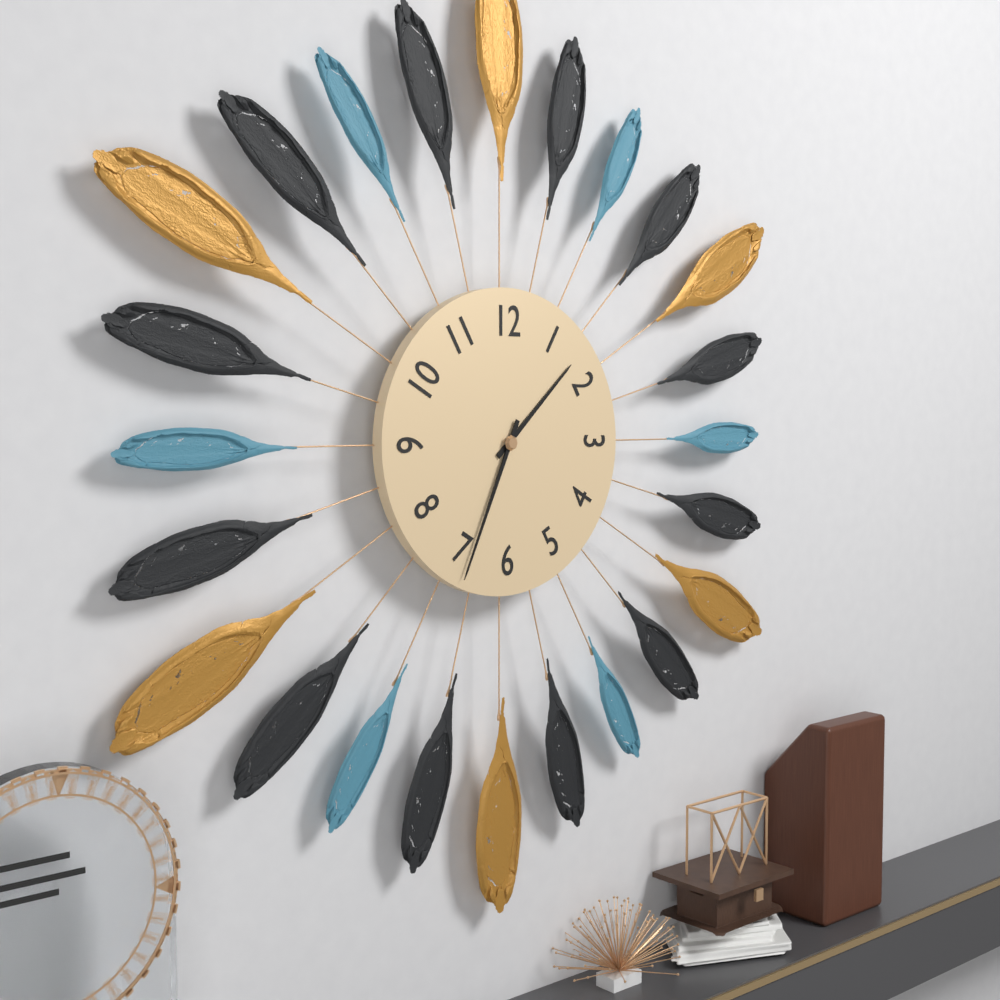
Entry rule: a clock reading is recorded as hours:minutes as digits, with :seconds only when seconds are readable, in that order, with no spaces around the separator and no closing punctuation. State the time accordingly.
1:34
